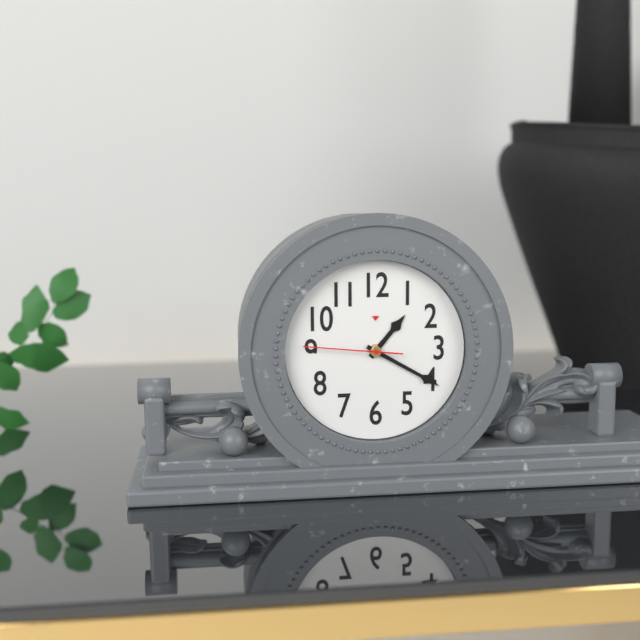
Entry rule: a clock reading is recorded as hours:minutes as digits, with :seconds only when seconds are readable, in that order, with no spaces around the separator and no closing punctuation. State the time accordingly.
1:20:46
